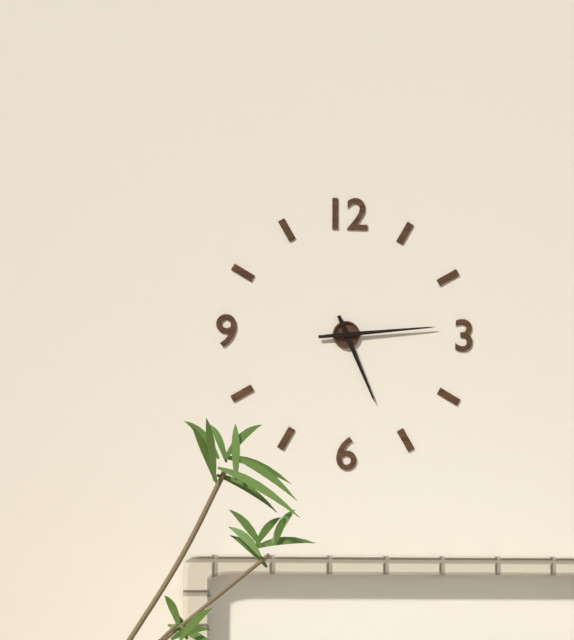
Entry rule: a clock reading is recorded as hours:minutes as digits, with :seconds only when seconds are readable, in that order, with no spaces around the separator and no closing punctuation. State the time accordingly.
5:14
